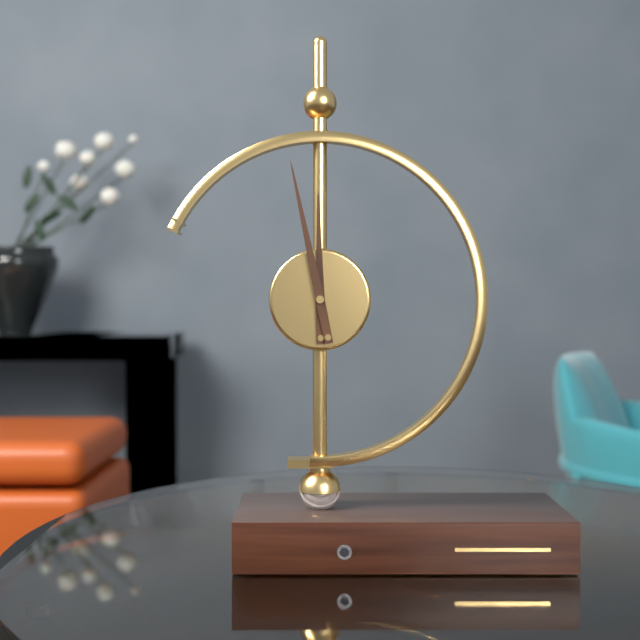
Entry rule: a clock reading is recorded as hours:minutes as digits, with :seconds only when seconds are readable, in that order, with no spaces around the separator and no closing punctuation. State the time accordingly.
11:58
